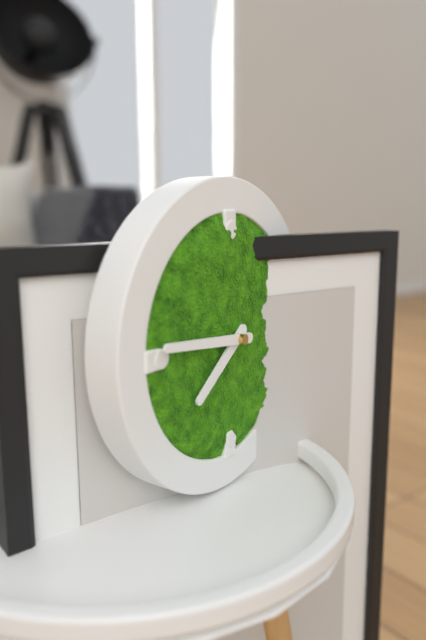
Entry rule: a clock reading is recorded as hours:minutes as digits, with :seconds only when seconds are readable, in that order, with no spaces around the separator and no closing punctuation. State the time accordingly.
7:46
